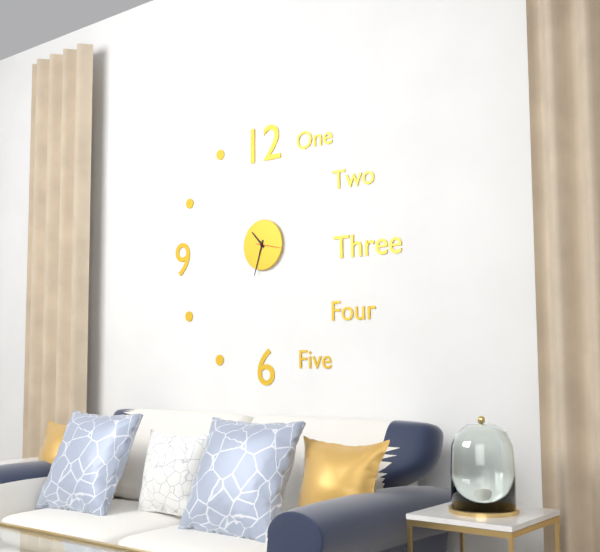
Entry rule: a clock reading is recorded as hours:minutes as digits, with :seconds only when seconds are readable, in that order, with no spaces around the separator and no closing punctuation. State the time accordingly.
10:33
